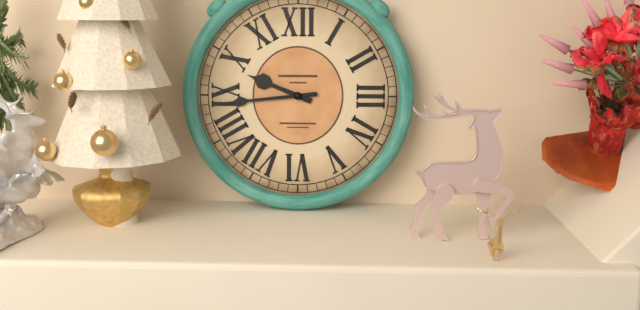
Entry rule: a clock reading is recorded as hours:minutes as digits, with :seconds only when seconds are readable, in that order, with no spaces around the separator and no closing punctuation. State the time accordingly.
9:44
